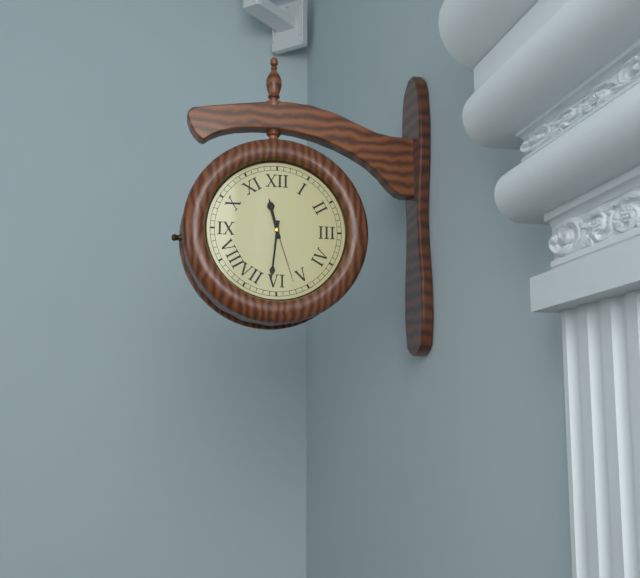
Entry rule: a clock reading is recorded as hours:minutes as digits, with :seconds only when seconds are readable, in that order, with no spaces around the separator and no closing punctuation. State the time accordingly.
11:31:27
